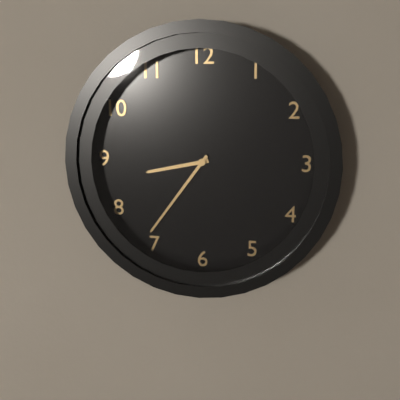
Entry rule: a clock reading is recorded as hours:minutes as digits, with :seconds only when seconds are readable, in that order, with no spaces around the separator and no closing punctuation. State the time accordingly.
8:36
